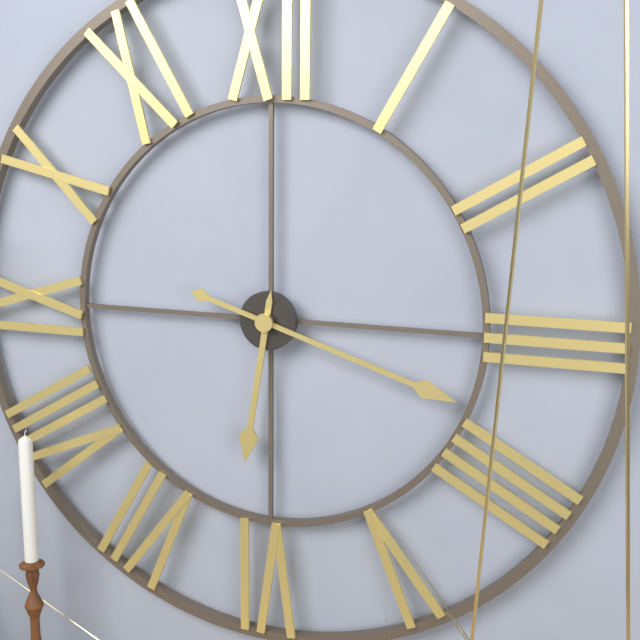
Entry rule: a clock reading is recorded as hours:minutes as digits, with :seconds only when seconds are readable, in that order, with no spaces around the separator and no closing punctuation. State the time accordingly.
6:18
